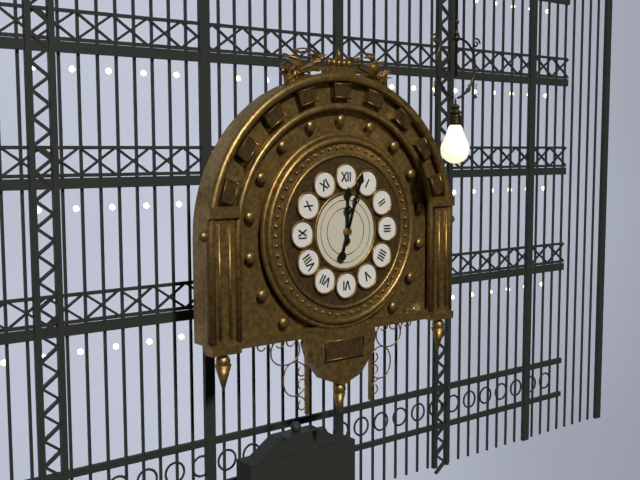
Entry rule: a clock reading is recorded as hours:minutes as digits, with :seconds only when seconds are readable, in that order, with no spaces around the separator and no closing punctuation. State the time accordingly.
12:03
